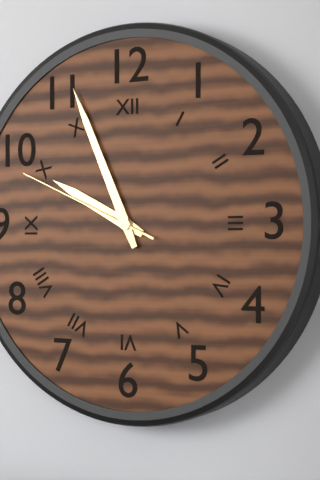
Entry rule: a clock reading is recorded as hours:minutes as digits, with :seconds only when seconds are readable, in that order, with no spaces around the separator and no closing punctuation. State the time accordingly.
9:56:49
